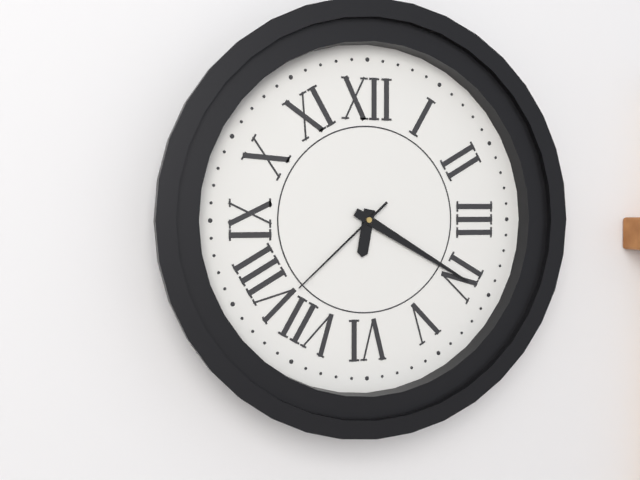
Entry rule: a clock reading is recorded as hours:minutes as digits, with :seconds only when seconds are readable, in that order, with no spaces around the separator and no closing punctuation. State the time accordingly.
6:20:38
